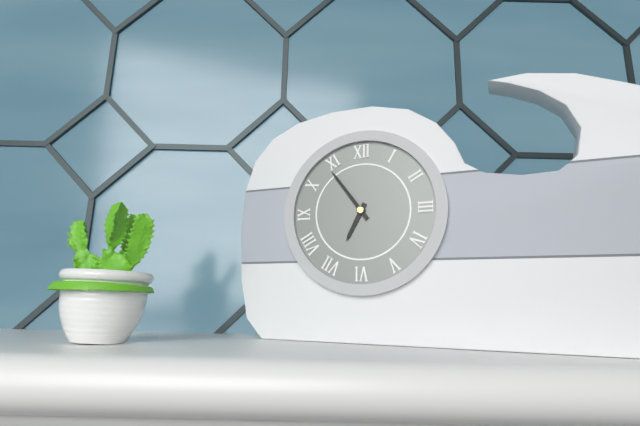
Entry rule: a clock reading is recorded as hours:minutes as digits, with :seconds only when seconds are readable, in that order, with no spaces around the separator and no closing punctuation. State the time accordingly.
6:54
